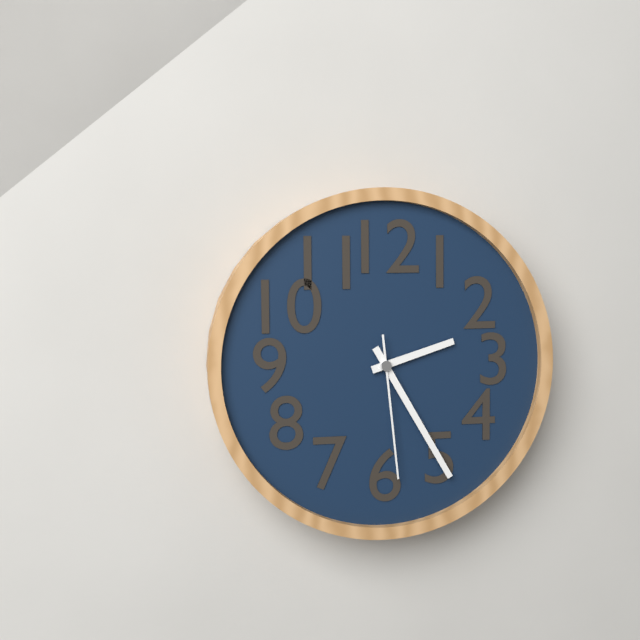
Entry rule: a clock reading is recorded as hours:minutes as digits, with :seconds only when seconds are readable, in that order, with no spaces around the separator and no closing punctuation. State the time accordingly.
2:25:29
